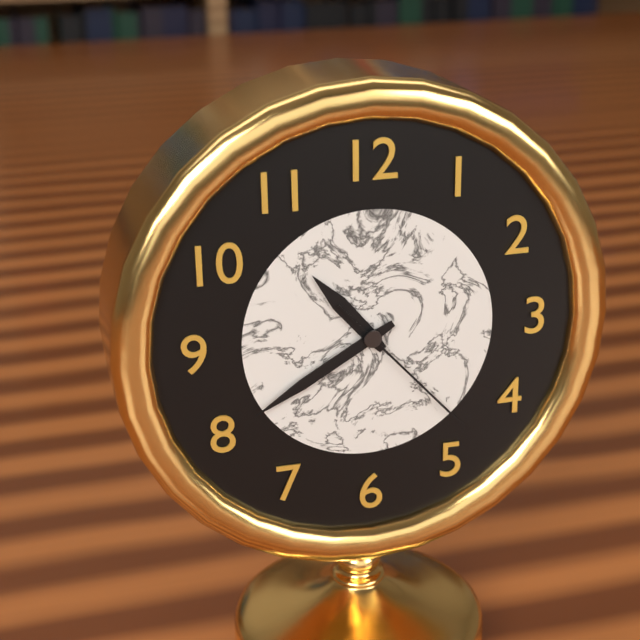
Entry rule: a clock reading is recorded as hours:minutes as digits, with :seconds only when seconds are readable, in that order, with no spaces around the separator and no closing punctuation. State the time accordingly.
10:40:23
